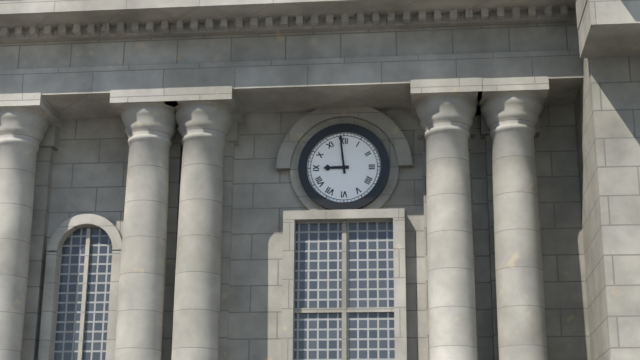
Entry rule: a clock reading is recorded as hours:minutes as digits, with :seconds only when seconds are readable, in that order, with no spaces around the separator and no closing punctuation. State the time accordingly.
8:59
